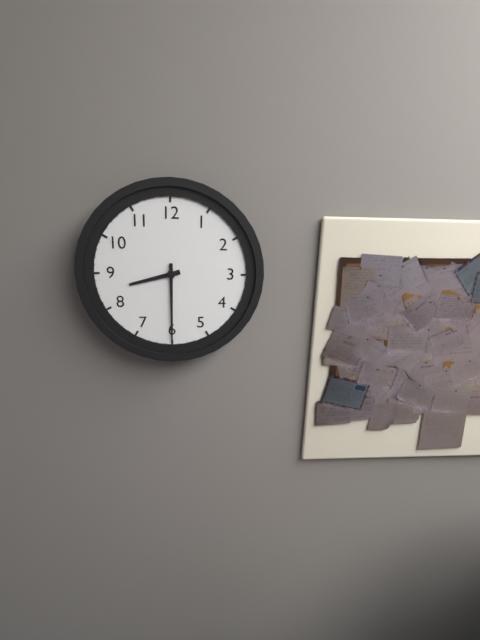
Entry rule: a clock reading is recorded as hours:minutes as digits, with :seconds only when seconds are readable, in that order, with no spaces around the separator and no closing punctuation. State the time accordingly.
8:30
